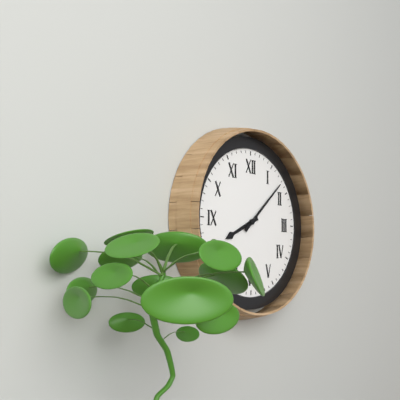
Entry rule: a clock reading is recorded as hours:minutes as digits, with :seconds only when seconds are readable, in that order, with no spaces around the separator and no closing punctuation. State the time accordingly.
8:08
